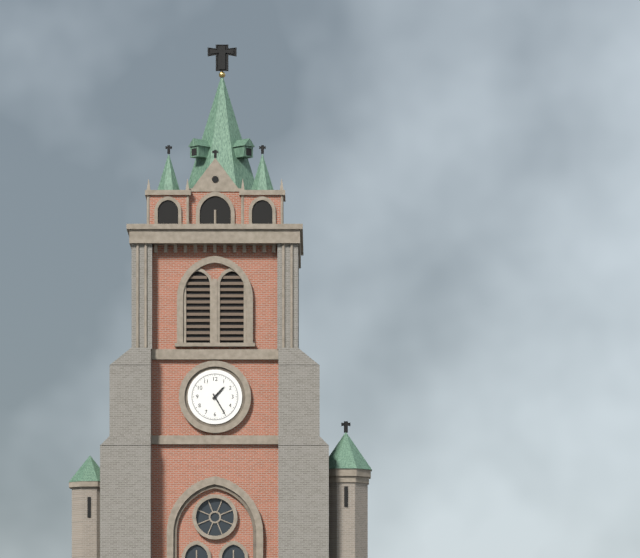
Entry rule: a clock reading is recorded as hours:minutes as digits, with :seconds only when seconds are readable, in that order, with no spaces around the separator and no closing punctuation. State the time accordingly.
1:25
